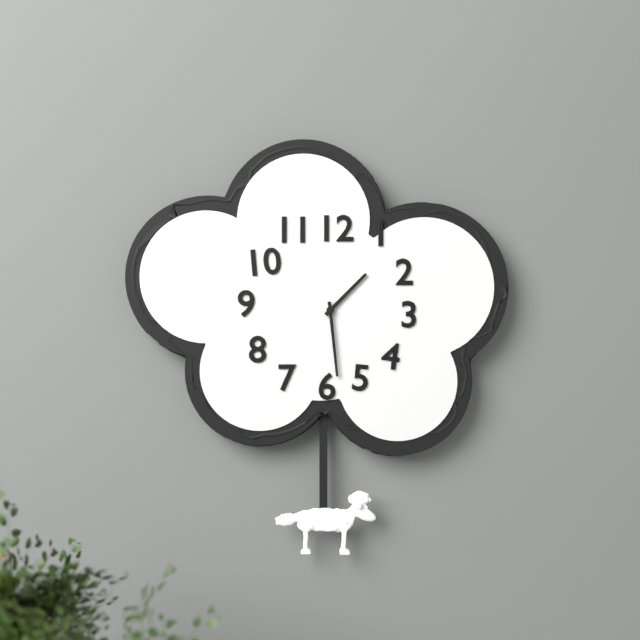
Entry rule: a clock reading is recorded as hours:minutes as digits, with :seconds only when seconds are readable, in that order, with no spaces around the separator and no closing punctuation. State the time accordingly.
1:29
